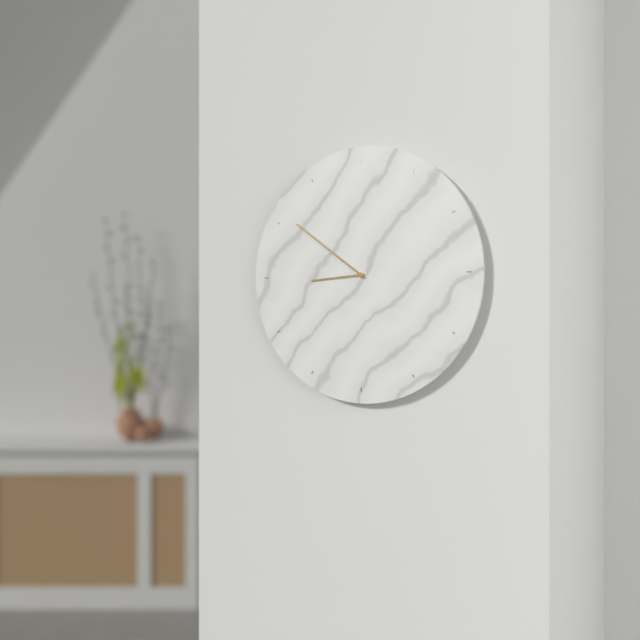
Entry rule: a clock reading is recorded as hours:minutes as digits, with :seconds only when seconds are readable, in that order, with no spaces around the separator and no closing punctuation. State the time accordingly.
8:51
